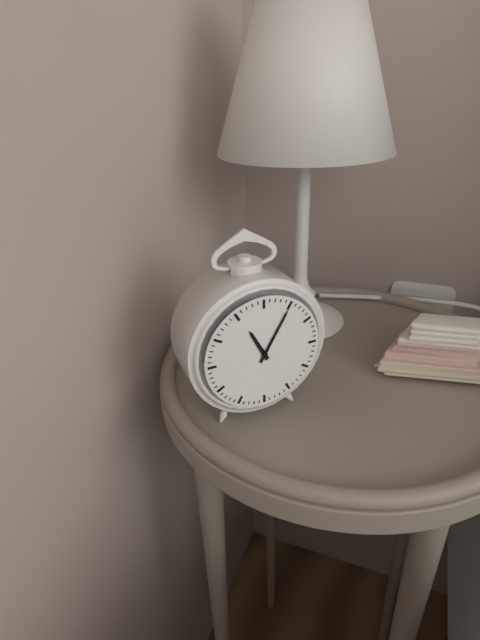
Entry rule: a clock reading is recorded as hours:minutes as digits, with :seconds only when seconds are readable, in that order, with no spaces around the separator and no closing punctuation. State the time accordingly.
11:05
